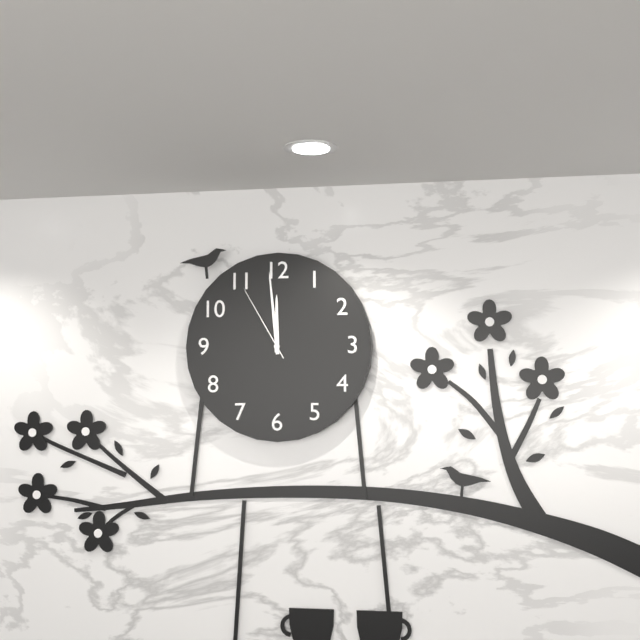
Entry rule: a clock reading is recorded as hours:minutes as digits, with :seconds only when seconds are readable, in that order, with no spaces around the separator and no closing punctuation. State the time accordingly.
11:59:55
